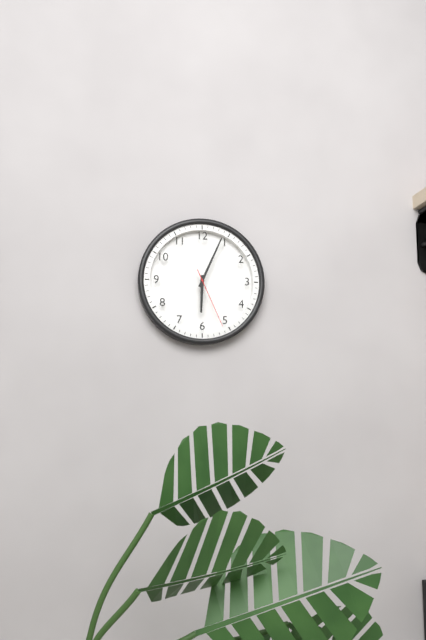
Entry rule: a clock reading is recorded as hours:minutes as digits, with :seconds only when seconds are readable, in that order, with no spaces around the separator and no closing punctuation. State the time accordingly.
6:04:26
